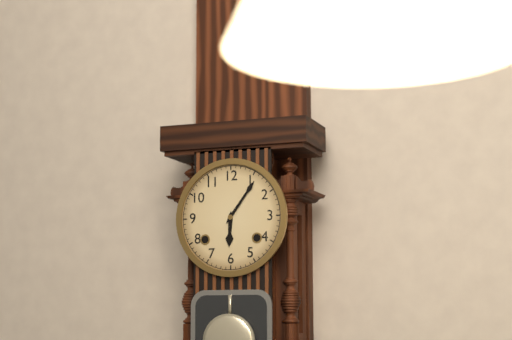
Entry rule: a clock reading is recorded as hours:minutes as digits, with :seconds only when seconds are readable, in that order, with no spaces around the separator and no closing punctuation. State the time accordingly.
6:06
